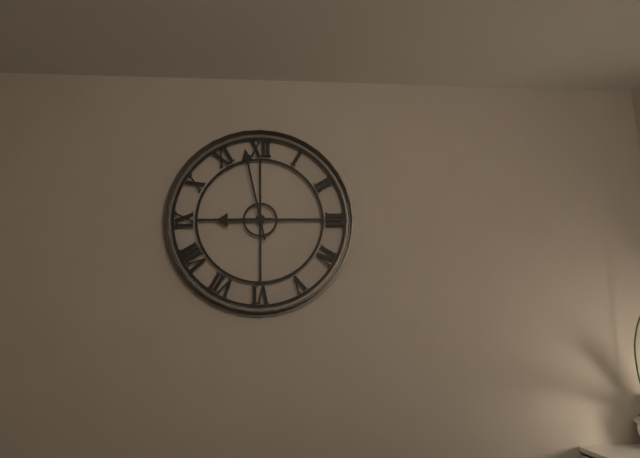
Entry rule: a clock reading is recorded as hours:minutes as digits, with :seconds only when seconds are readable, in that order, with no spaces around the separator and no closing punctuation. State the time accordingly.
8:58
